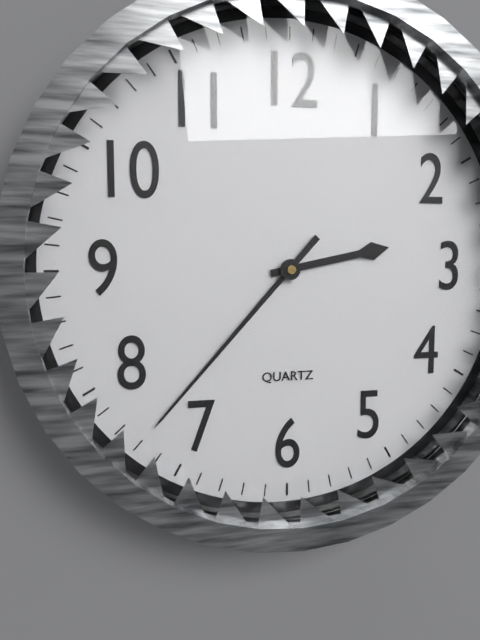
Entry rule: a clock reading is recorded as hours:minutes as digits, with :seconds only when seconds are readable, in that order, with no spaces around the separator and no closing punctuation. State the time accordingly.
2:37
